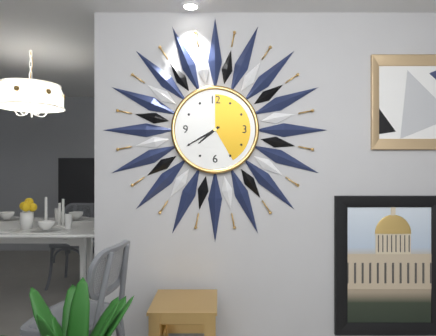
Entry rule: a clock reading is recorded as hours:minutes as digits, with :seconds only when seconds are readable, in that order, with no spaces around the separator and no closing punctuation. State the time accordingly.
7:40
